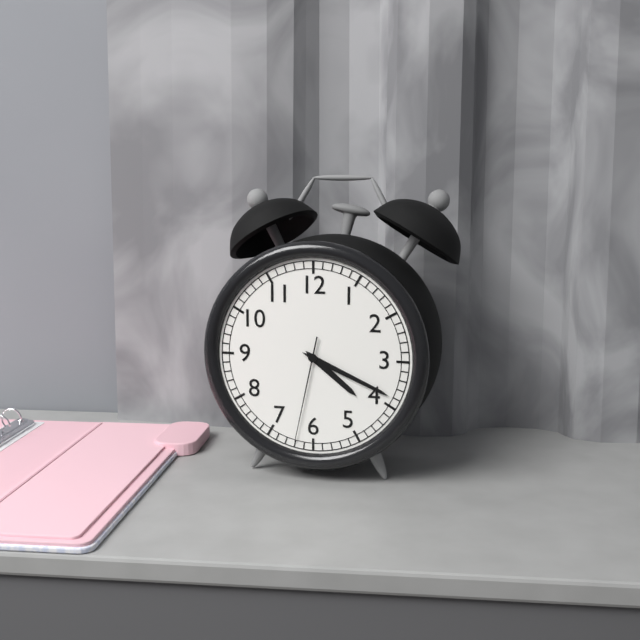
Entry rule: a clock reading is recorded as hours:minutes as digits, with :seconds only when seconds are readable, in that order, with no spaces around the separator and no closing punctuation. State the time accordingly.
4:19:32
